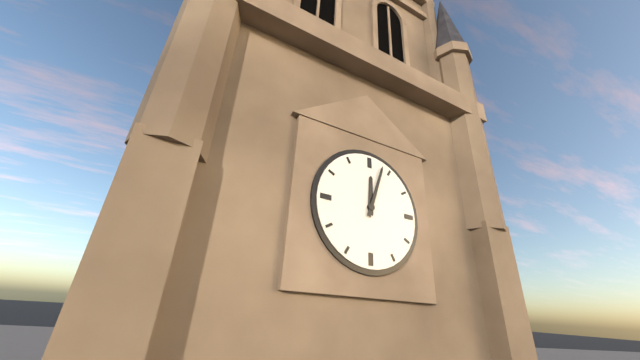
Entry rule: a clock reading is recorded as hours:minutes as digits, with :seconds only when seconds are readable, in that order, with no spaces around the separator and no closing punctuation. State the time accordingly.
12:03
